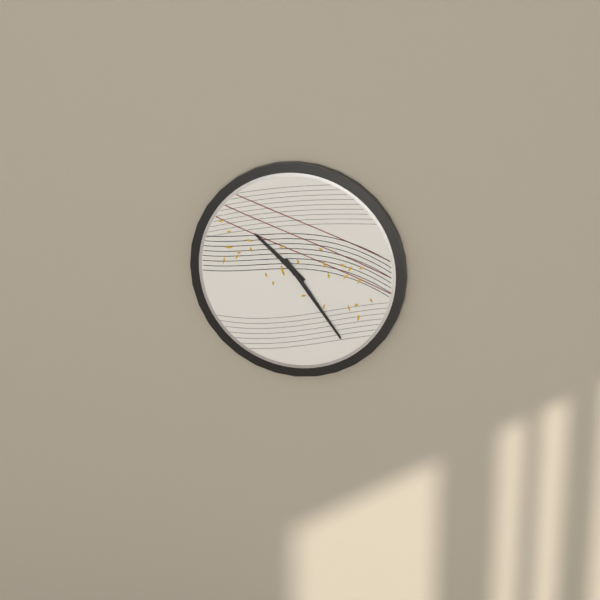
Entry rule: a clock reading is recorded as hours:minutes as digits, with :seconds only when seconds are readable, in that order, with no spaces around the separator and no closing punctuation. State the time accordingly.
10:24
